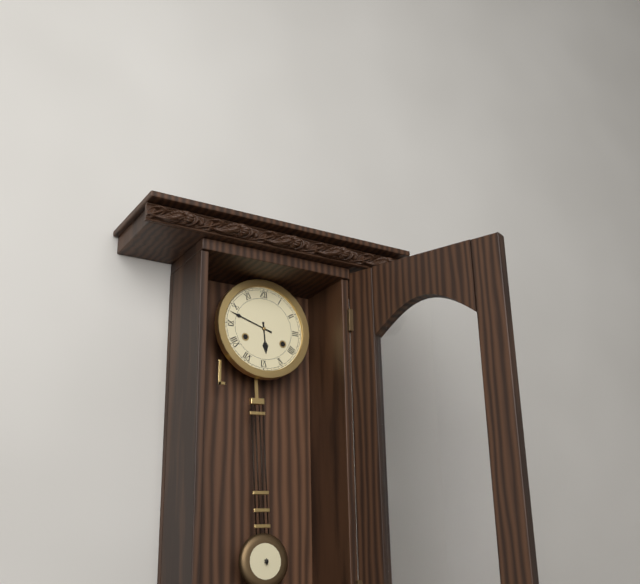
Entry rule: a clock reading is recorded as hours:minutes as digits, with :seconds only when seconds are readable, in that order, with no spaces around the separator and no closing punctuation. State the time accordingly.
5:48
